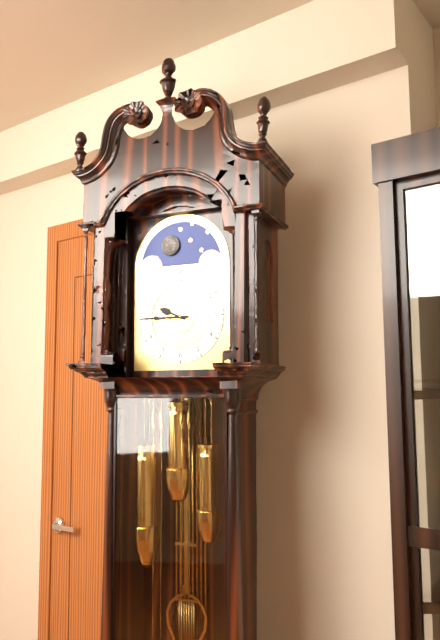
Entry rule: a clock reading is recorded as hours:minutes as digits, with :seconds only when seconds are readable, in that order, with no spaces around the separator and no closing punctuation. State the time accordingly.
9:45
